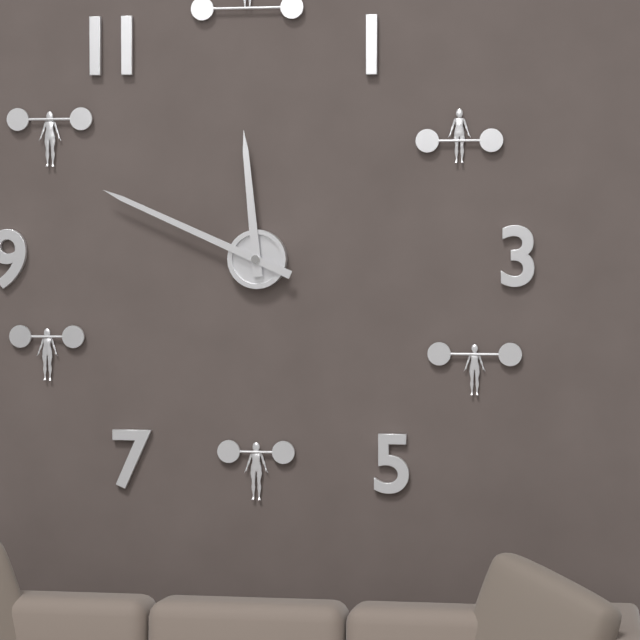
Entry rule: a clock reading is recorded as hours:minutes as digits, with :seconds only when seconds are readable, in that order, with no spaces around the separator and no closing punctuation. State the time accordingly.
11:49
